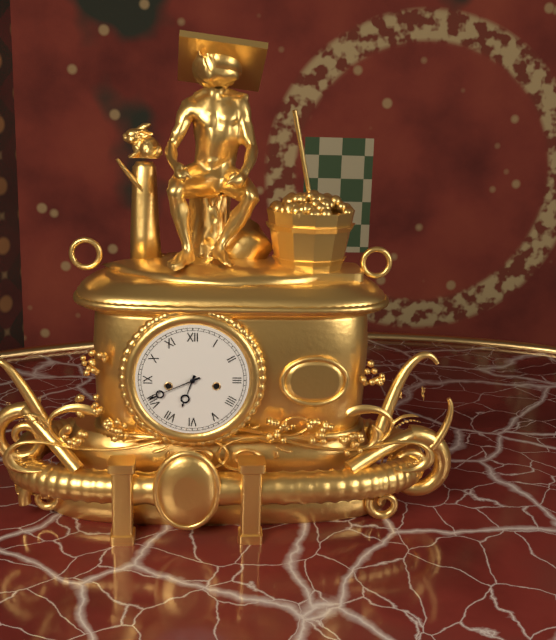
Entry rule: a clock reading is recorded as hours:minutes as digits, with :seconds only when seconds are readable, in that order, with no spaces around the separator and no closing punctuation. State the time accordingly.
6:41
